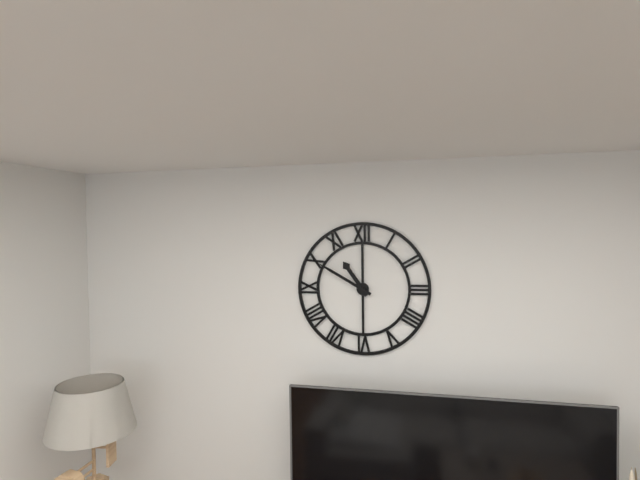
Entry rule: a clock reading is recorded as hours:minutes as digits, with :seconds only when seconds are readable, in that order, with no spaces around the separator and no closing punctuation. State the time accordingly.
10:50
